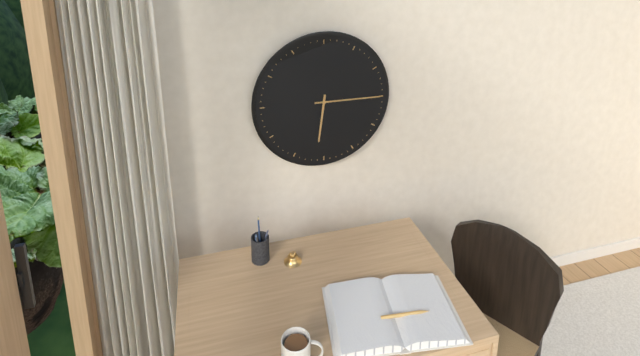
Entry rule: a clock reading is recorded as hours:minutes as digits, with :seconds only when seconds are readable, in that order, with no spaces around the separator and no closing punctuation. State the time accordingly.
6:15
